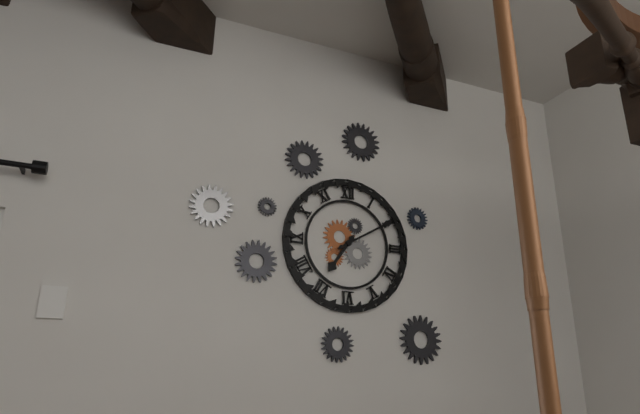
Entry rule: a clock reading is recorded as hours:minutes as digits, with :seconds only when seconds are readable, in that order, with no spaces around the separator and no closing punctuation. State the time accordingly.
7:10
